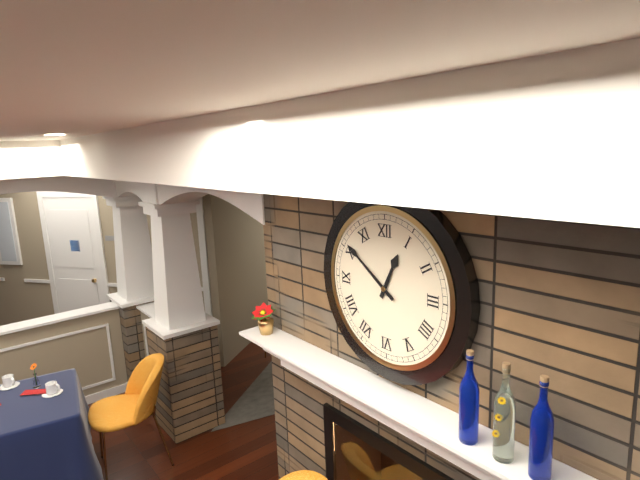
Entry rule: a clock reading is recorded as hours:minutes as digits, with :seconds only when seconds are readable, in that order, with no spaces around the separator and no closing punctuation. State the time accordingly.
12:51
